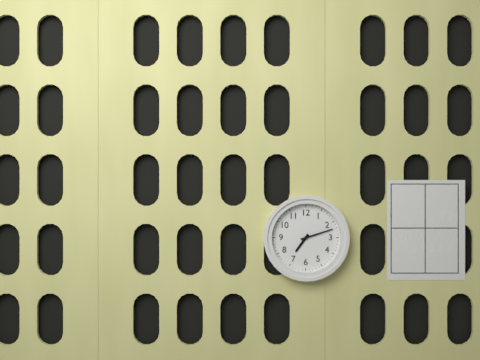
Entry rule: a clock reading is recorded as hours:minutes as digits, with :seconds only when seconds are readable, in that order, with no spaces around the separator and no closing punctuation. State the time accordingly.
7:12
